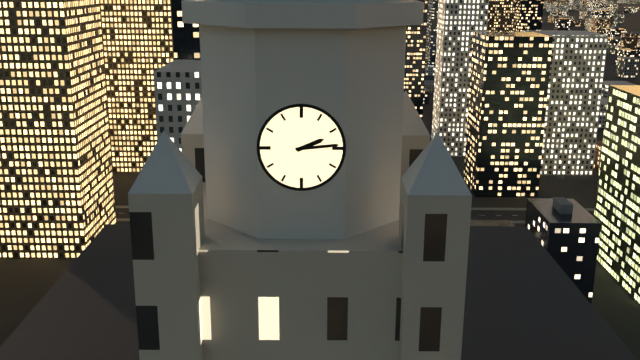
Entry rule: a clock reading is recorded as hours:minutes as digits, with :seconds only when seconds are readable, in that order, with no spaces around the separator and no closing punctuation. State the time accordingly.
2:14
